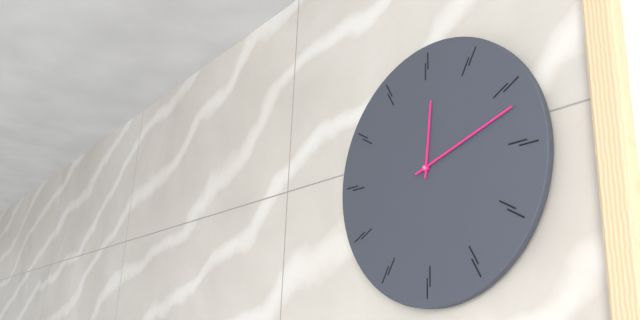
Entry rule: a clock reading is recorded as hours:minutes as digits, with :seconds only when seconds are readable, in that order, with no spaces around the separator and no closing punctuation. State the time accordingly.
12:12
